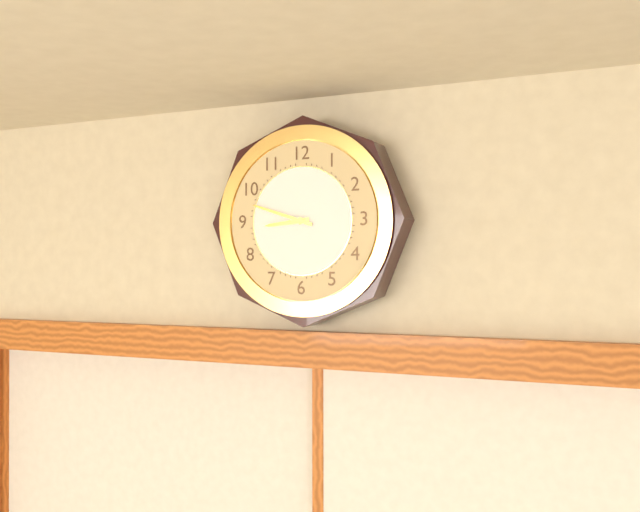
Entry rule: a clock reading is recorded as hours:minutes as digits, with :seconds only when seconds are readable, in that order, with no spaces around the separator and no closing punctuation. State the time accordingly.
8:48
